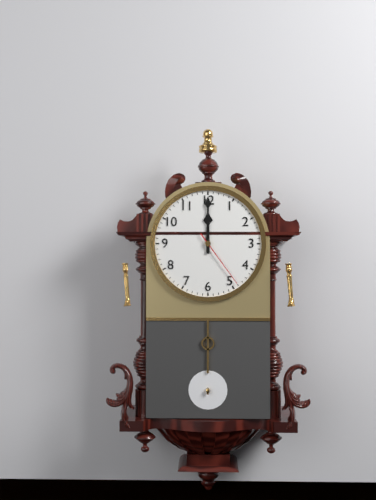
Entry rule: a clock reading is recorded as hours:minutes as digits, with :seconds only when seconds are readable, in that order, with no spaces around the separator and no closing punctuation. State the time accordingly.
12:00:24
